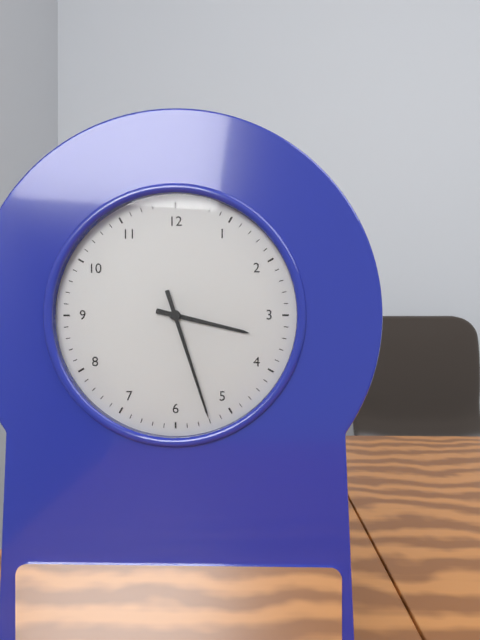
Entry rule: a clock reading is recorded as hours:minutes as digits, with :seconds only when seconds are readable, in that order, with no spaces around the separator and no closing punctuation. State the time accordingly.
3:27
